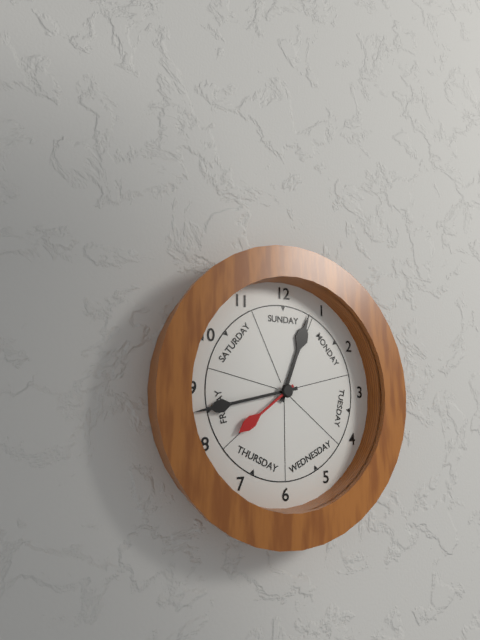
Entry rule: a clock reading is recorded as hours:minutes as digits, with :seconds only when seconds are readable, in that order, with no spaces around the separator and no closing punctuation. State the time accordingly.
12:43:39
